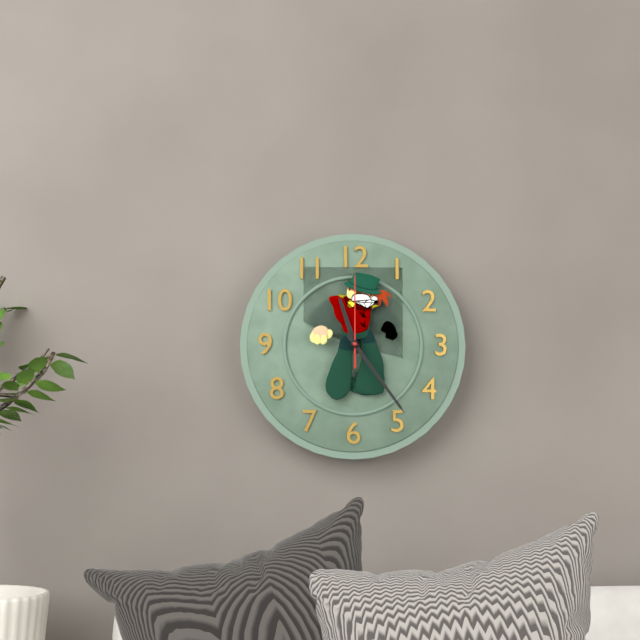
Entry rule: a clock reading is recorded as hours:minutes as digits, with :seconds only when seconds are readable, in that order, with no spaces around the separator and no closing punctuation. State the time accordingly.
11:24:00
